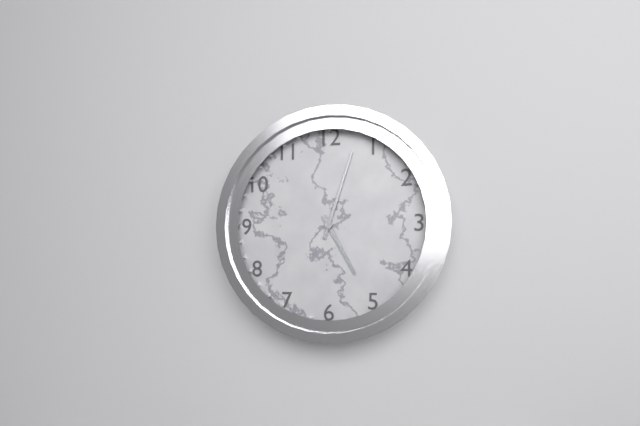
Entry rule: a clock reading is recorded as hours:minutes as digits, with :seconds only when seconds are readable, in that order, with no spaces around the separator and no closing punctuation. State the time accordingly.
5:03
